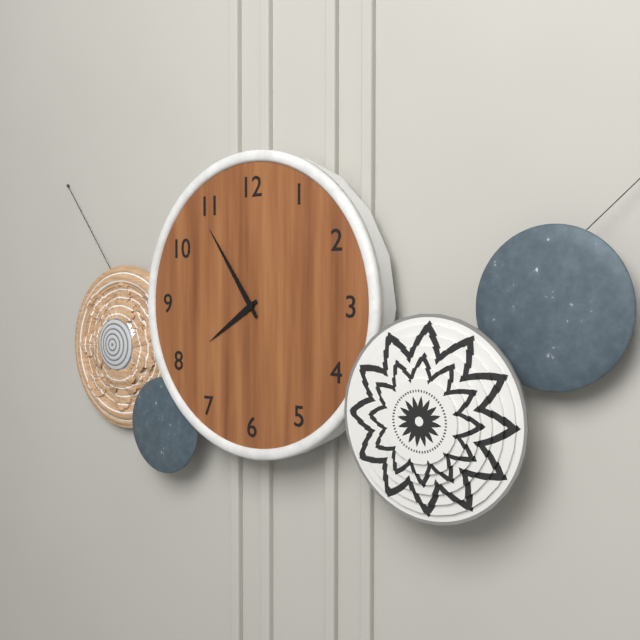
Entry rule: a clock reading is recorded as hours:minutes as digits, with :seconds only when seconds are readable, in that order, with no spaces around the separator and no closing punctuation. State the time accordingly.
7:54
